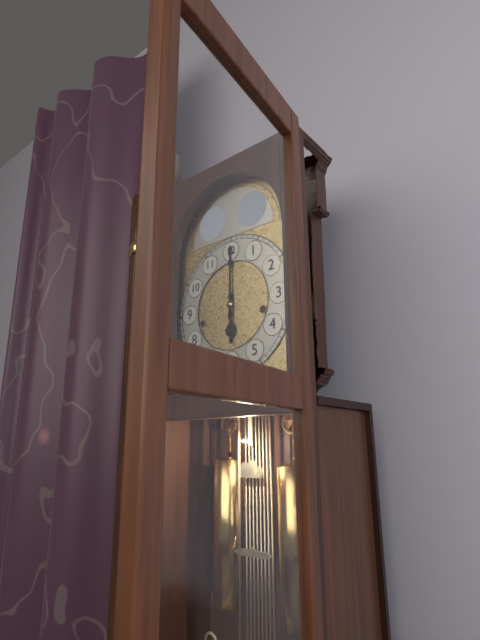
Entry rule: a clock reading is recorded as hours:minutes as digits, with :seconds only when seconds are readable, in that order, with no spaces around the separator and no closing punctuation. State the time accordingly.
6:00
